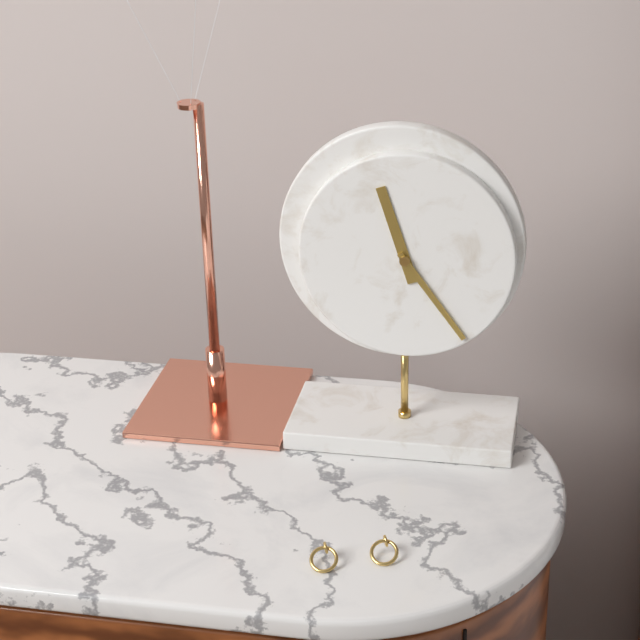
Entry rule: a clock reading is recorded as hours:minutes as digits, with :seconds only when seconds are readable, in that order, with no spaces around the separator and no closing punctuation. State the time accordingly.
11:24
